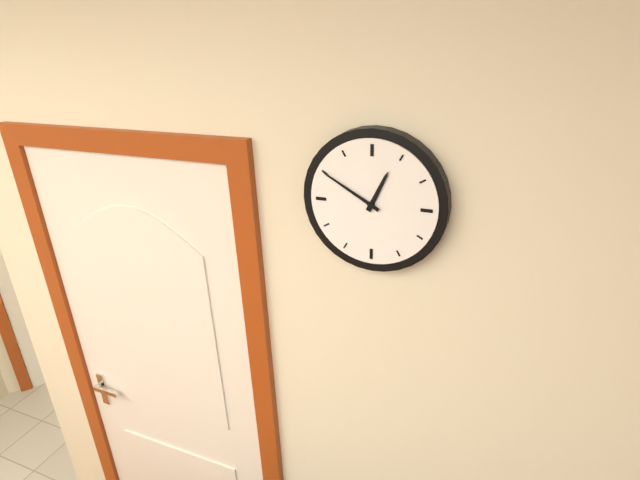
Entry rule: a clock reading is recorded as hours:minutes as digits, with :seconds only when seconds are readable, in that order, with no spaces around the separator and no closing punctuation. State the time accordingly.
12:50
